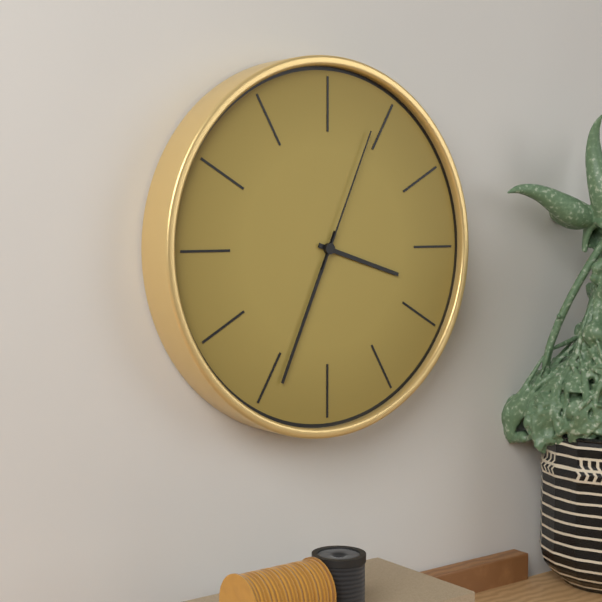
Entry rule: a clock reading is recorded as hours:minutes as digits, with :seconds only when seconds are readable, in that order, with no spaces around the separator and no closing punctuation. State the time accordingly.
3:34:04
